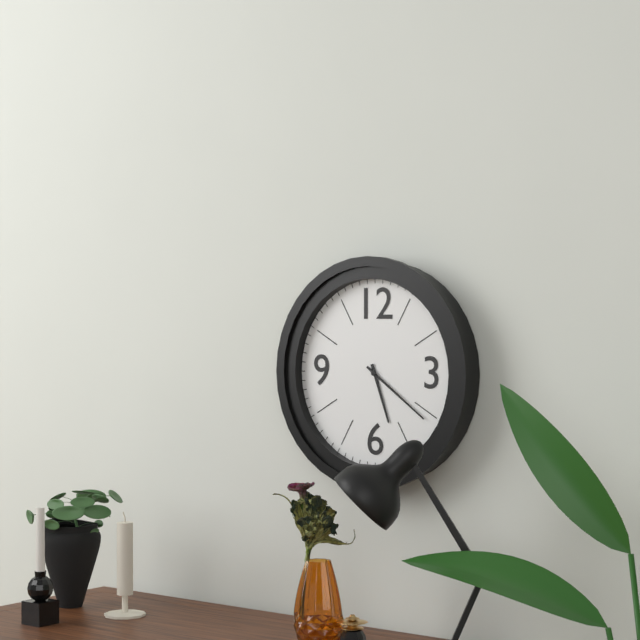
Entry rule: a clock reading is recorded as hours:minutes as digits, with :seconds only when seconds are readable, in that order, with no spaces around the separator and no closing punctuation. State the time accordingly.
5:21
